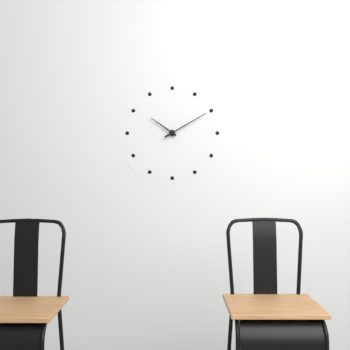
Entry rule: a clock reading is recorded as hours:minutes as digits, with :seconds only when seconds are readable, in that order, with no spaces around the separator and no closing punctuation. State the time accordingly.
10:10
